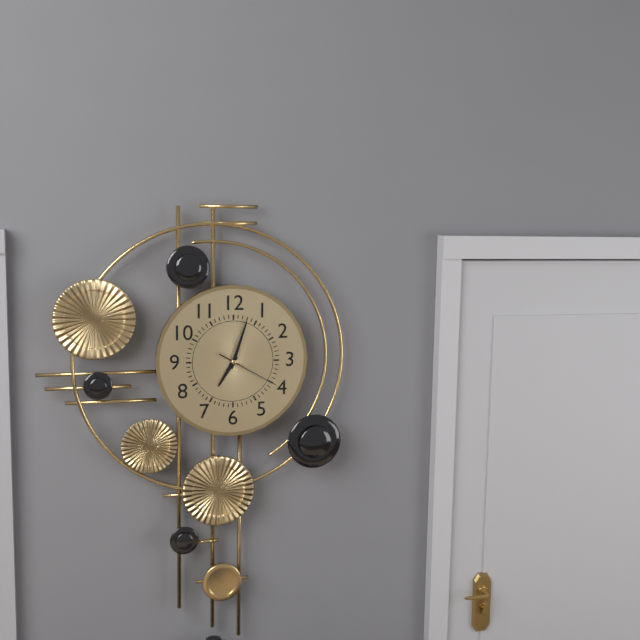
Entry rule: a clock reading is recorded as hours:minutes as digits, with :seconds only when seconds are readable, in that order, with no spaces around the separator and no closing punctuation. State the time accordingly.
7:03:20
